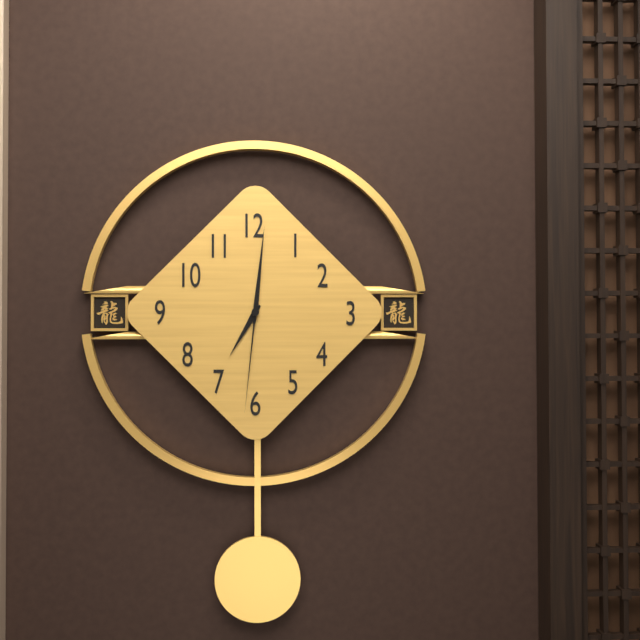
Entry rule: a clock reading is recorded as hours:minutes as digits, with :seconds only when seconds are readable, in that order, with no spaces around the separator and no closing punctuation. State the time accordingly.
7:01:31
